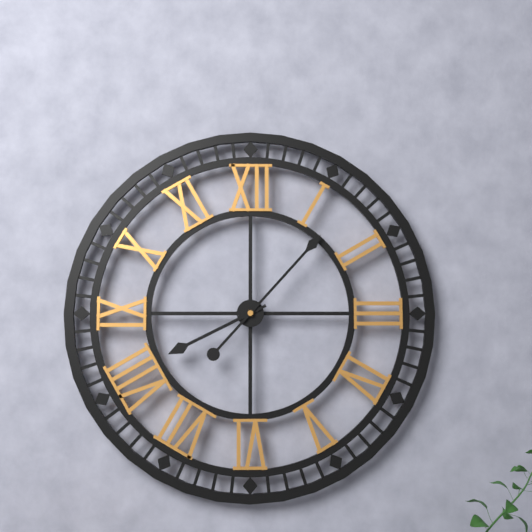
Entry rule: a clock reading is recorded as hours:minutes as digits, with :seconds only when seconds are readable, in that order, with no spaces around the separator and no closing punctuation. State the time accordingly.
8:07
